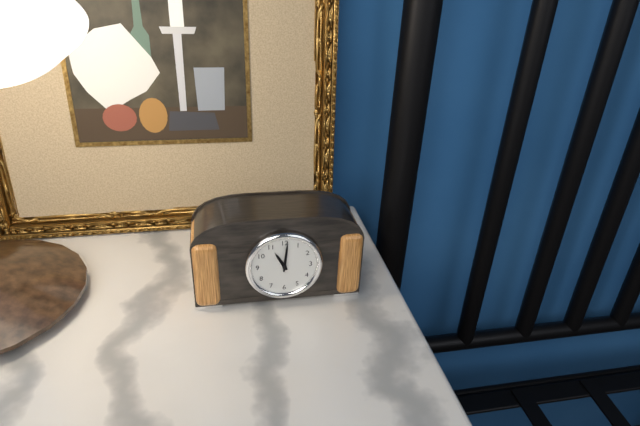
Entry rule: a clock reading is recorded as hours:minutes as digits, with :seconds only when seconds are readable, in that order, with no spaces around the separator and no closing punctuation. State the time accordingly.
11:01
